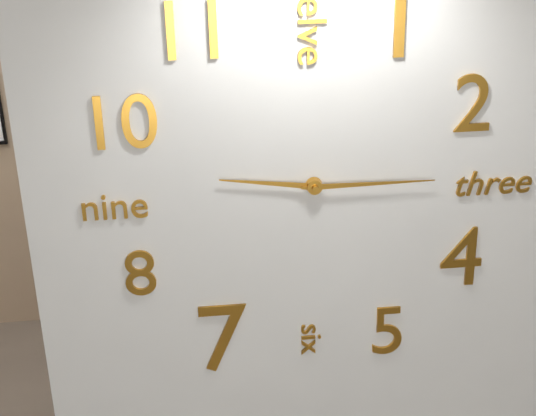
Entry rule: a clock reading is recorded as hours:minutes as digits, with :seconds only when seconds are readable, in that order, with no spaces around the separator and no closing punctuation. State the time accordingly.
9:15
